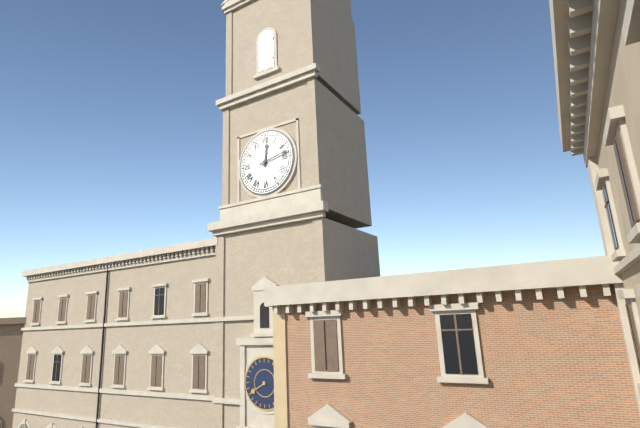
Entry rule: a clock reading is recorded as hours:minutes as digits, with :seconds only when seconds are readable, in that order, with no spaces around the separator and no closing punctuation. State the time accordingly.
12:13
